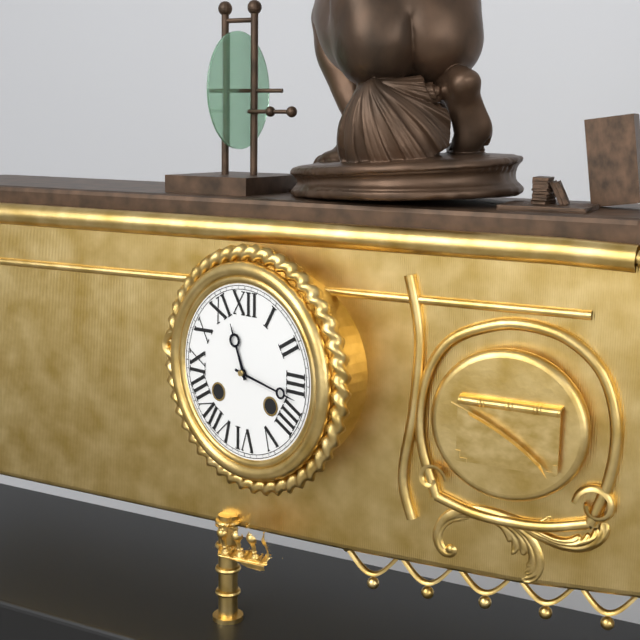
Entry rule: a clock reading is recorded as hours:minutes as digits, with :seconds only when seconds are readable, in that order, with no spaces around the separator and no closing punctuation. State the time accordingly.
11:17
